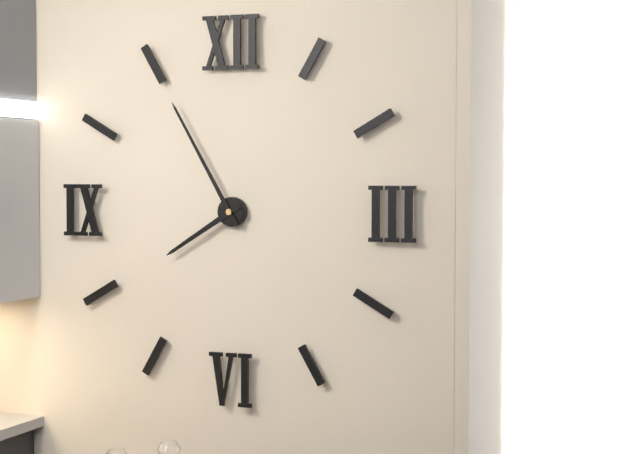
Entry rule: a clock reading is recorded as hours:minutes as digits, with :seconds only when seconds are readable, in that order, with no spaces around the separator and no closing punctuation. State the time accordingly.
7:55
